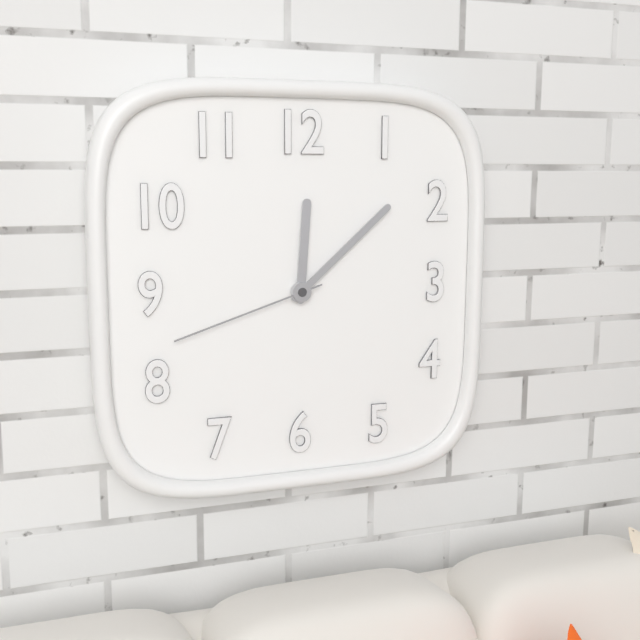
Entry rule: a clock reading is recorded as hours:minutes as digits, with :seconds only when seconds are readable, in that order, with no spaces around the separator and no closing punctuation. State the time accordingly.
12:08:42
